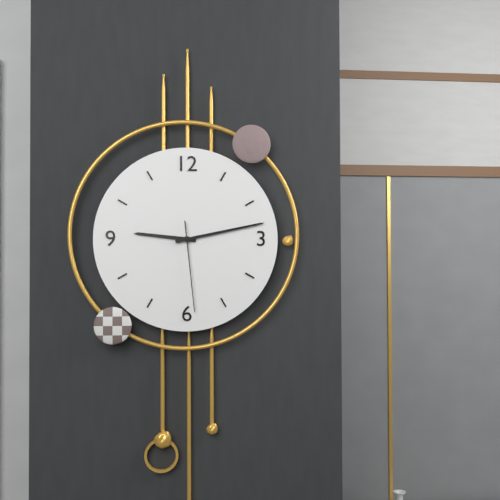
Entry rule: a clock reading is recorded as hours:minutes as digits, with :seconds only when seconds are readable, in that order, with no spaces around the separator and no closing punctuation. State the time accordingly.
9:13:29
